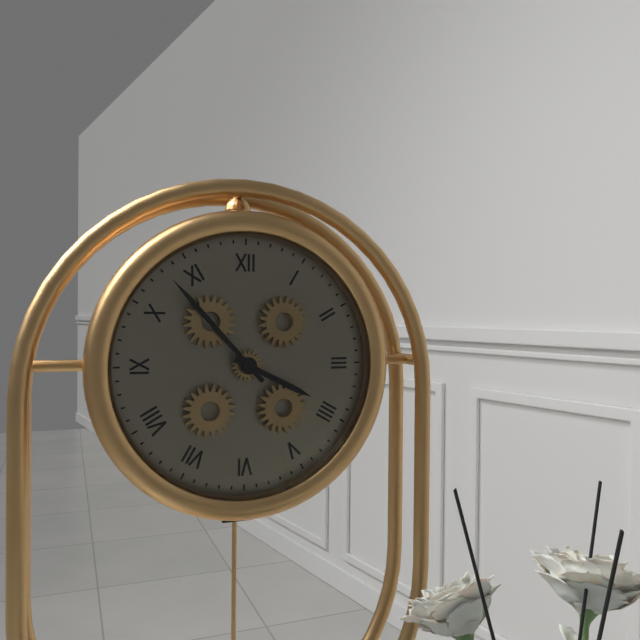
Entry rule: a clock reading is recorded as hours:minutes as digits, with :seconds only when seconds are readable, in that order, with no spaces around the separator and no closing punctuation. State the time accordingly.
3:53
